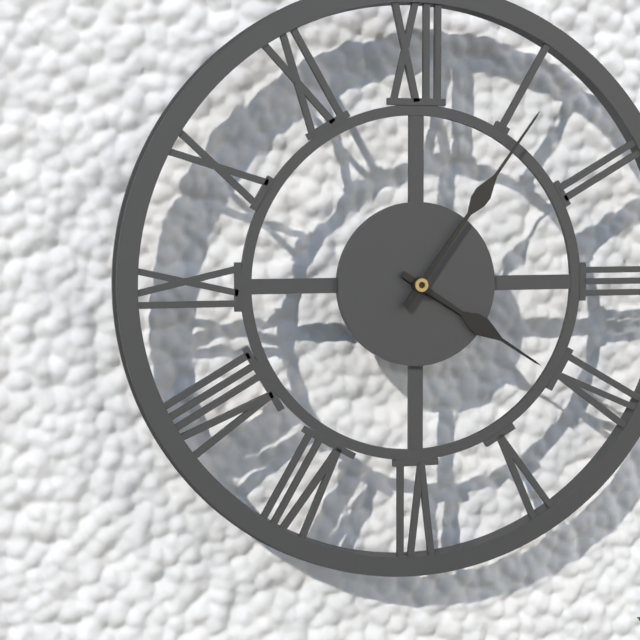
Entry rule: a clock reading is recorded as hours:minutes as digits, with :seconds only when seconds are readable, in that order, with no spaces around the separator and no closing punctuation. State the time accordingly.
4:06
